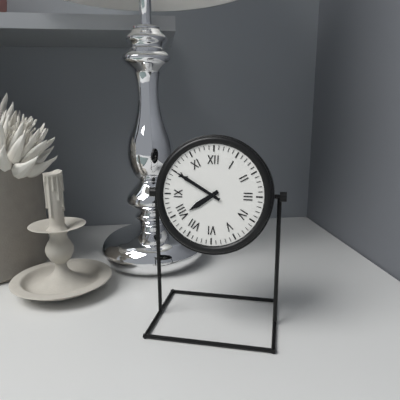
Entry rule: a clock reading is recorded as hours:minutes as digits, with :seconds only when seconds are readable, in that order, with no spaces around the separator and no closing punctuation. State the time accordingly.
7:50
